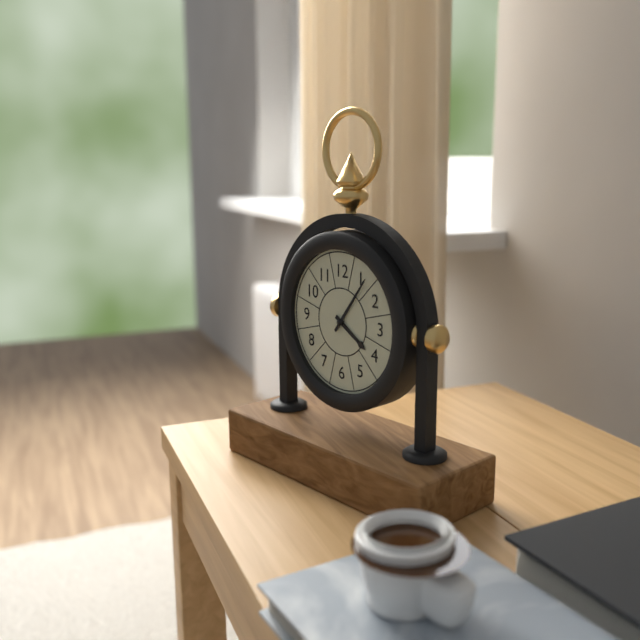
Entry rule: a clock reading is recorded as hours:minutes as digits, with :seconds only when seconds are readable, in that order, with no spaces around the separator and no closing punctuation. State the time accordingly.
4:06
